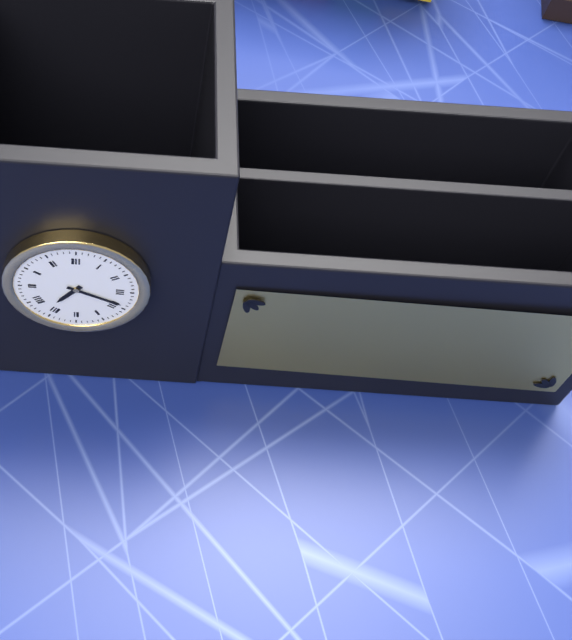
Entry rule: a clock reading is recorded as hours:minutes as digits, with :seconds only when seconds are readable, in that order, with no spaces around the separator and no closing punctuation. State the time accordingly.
7:19
